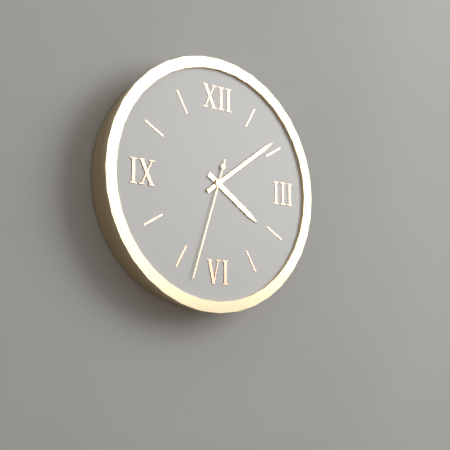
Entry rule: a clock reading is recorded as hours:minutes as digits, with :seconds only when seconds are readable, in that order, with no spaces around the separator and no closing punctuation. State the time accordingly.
4:09:33
